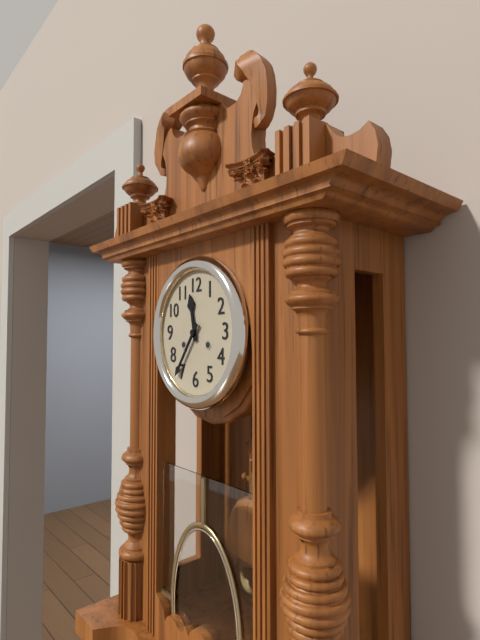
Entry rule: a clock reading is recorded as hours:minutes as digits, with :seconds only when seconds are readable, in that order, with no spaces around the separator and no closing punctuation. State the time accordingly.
11:36
